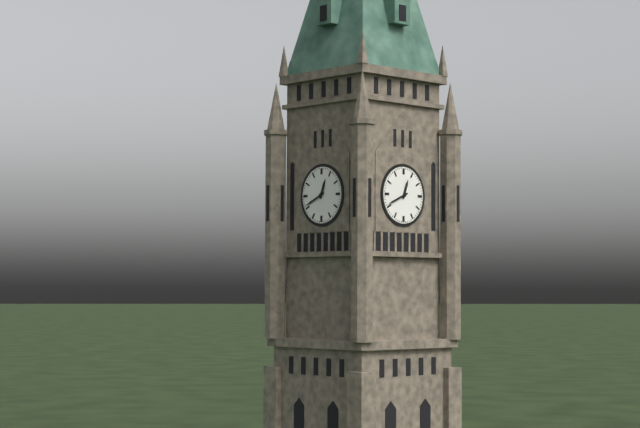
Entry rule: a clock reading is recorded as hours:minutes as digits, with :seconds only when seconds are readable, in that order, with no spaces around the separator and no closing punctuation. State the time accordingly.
12:41
